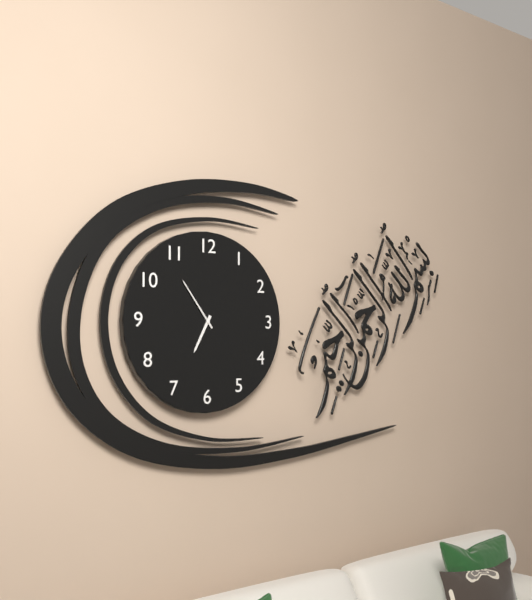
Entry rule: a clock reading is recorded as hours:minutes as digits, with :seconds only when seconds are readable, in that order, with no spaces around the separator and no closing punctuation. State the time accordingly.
6:54
